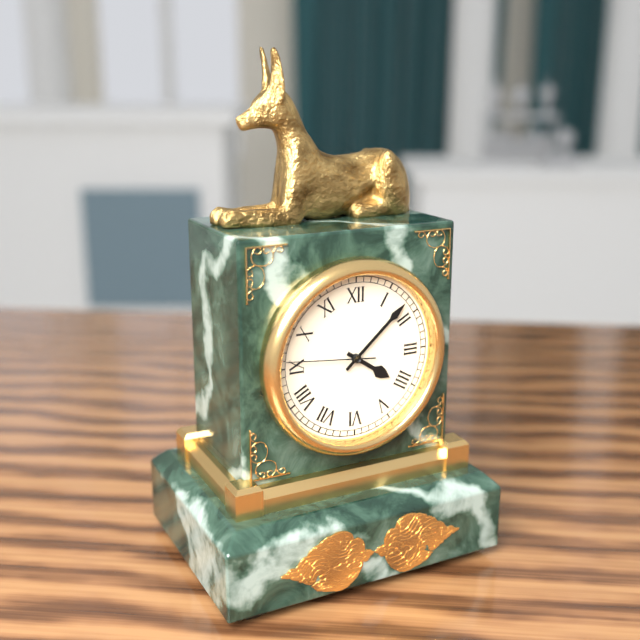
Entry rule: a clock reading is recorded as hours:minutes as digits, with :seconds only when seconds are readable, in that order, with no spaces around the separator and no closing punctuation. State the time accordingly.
4:08:46
